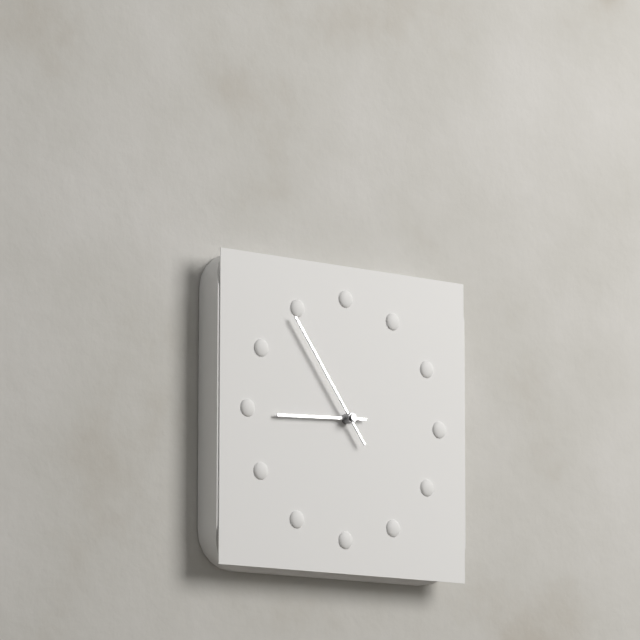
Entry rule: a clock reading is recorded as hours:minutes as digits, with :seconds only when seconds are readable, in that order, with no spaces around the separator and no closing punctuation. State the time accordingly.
8:54
